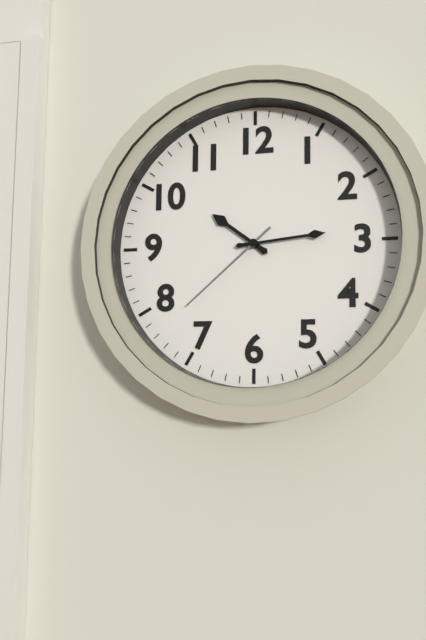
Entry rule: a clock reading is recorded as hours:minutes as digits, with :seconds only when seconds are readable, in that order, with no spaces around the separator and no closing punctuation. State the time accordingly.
10:14:38
